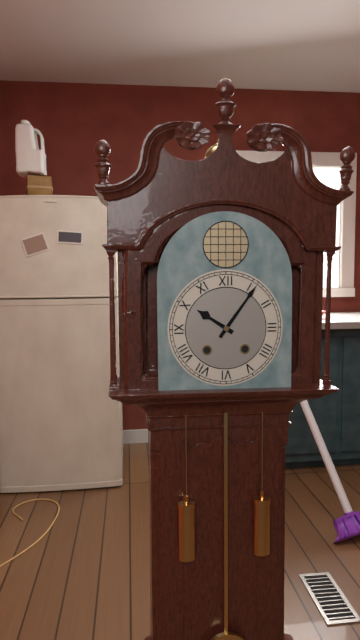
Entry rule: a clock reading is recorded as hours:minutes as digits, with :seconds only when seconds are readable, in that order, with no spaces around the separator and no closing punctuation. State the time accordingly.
10:06
